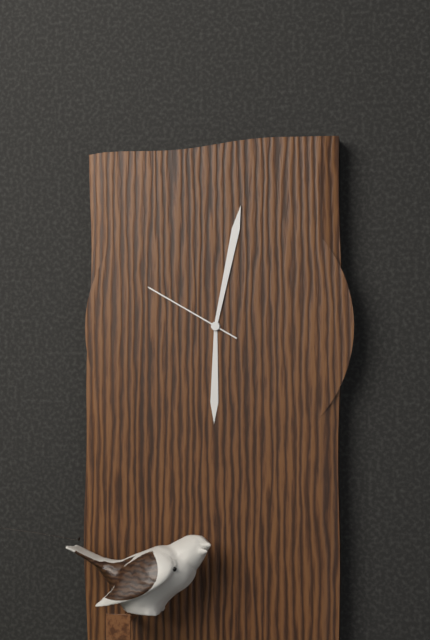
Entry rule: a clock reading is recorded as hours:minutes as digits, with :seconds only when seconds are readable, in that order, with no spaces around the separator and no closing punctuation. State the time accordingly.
6:02:50
